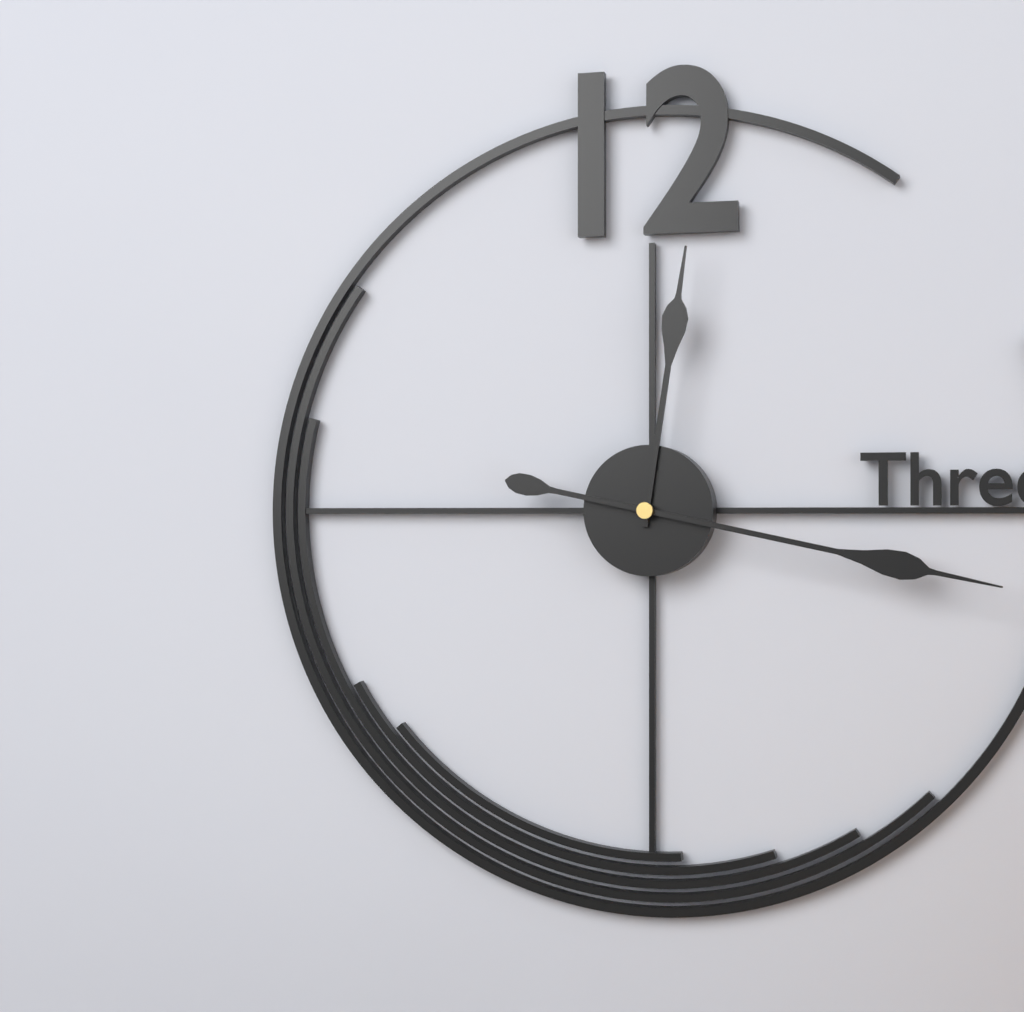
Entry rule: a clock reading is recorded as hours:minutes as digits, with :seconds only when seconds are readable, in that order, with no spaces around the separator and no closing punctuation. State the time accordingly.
12:17
